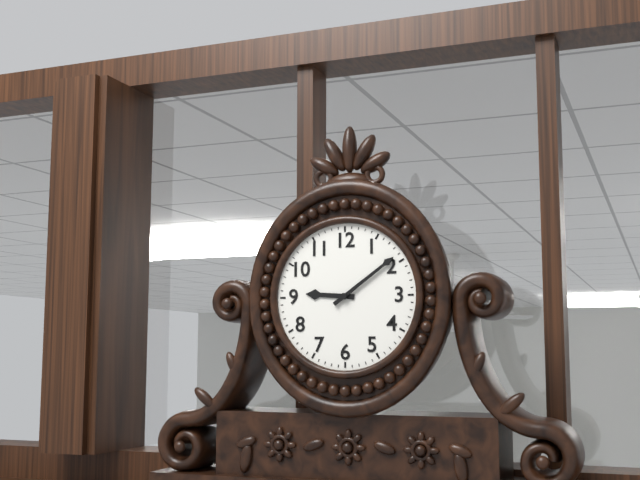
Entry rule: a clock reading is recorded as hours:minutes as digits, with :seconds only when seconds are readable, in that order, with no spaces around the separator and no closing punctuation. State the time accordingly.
9:09
